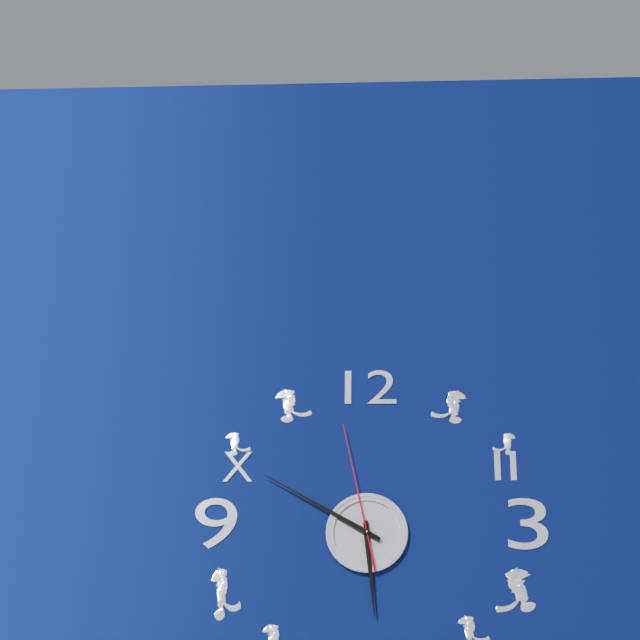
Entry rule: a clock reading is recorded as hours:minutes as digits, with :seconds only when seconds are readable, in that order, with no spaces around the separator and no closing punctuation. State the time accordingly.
5:50:58
